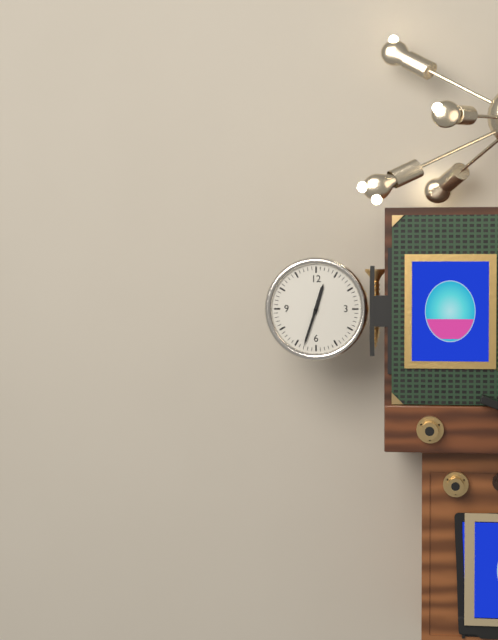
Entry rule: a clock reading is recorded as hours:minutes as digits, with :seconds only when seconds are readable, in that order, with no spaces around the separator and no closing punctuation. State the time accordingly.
12:33
